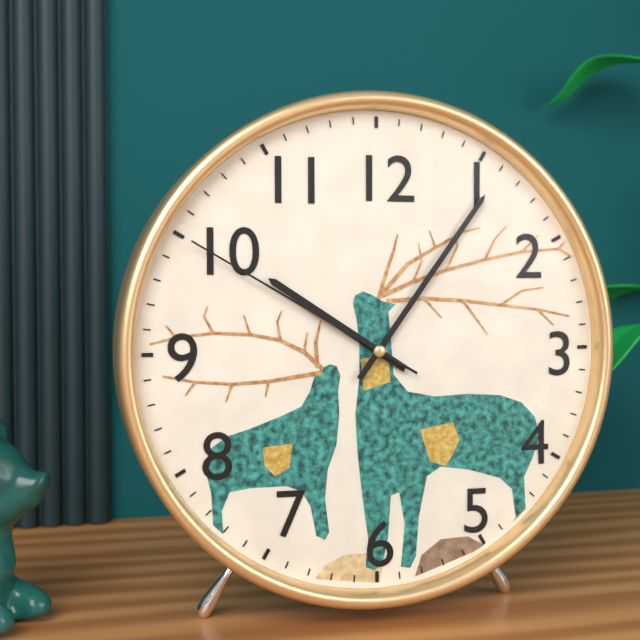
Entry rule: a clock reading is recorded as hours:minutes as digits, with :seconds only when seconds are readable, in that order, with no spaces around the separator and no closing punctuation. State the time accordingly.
10:06:50
